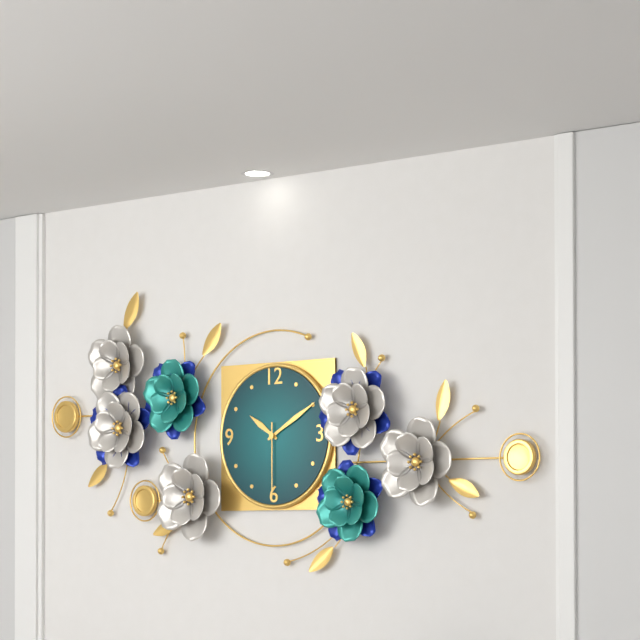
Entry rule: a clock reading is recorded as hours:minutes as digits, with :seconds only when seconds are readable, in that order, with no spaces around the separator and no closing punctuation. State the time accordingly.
10:10:30
